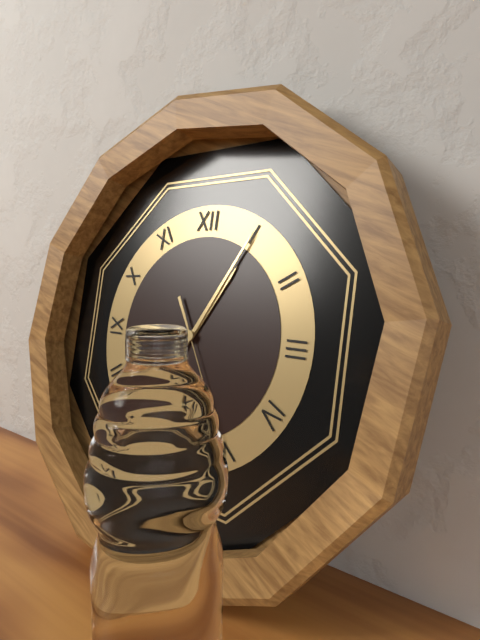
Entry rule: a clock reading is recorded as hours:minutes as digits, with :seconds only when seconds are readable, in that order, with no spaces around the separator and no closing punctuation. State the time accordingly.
1:05:25
